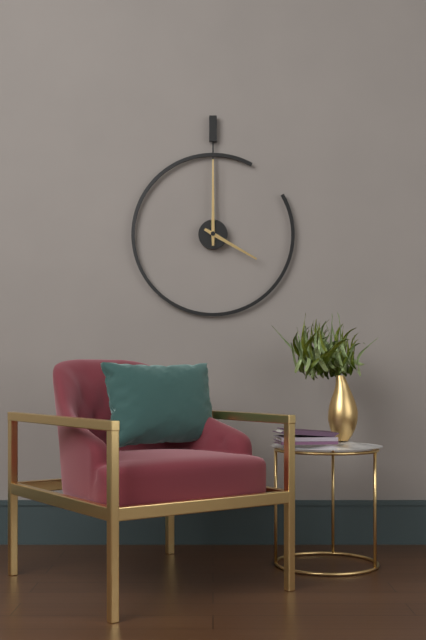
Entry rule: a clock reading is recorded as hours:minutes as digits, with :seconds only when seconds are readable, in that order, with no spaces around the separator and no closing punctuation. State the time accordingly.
4:00
